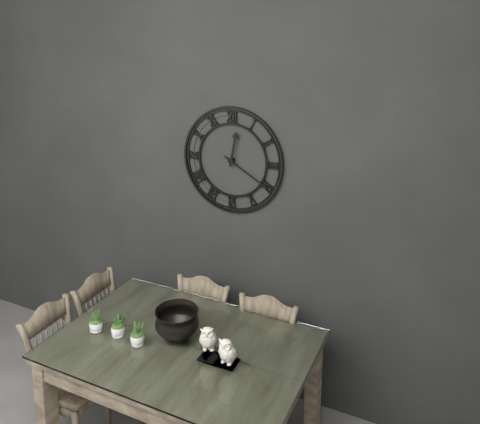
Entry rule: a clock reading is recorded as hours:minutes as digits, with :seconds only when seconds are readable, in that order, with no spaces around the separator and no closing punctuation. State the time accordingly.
12:20
